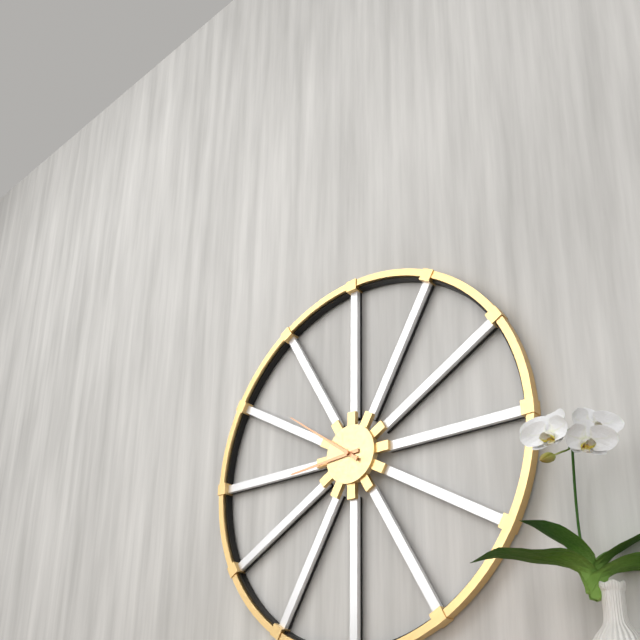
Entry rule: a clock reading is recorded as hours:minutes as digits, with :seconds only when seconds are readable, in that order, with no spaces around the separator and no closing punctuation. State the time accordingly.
8:51
